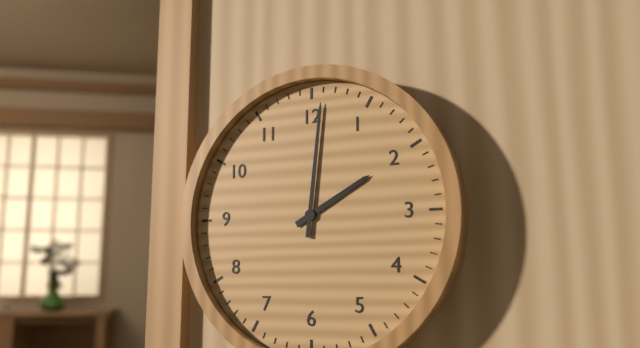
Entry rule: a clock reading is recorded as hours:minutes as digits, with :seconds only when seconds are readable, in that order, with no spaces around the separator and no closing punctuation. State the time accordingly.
2:01
